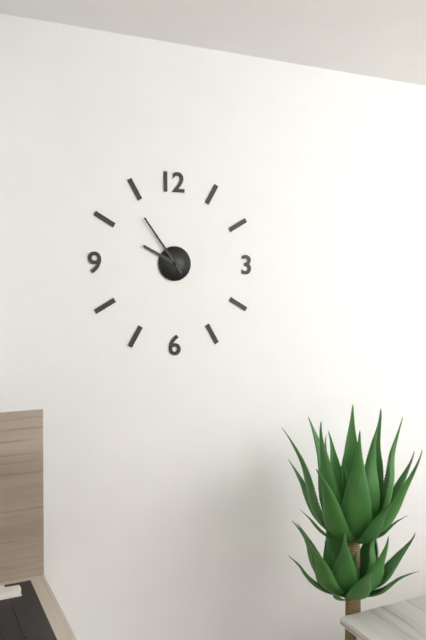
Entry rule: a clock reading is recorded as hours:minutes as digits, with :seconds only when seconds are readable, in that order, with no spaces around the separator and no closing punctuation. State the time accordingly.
9:54
